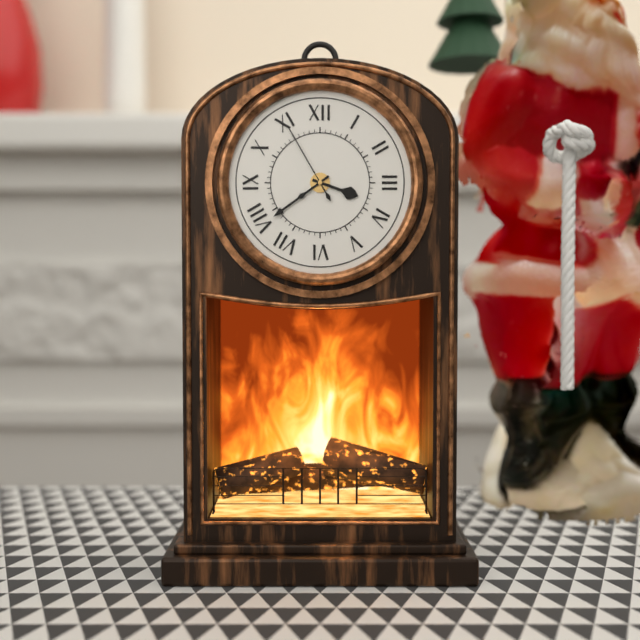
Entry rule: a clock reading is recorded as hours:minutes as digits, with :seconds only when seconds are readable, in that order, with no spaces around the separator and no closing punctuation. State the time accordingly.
3:39:55
